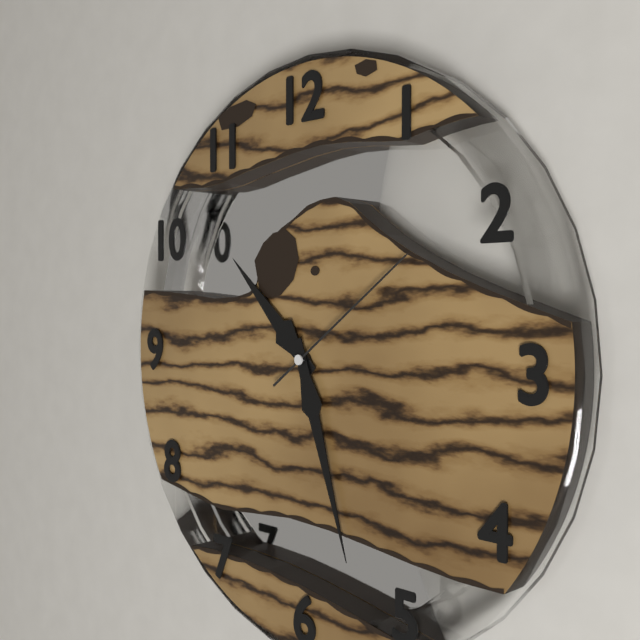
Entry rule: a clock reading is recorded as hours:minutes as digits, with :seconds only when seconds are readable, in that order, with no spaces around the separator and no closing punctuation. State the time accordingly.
10:27:09
